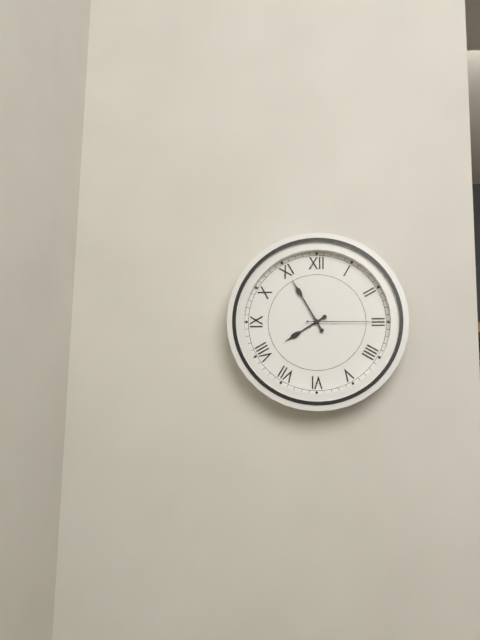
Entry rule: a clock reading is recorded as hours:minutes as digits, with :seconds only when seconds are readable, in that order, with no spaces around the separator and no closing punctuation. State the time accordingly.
7:55:15
